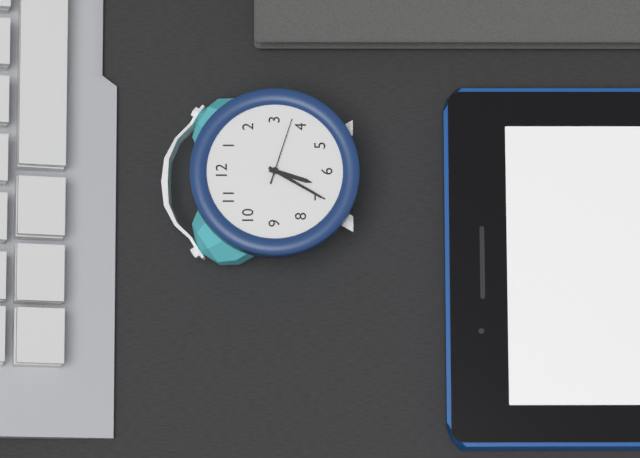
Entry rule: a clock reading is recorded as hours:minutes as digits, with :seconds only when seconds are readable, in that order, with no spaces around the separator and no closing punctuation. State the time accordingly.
6:35:18
